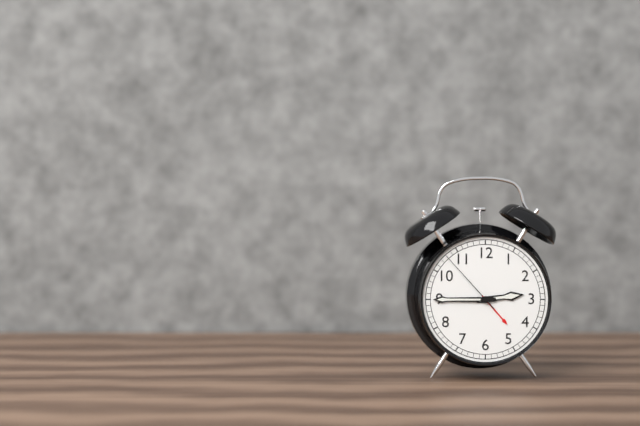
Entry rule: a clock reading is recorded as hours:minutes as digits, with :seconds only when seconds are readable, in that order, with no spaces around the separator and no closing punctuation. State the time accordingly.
2:45:53
